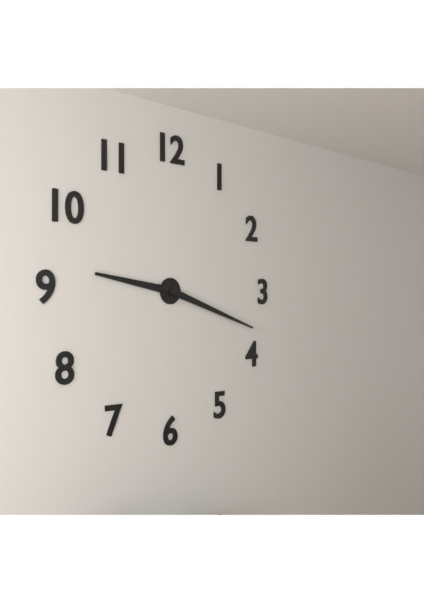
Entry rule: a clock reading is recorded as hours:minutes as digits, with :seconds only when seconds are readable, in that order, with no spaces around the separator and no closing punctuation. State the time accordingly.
9:18
